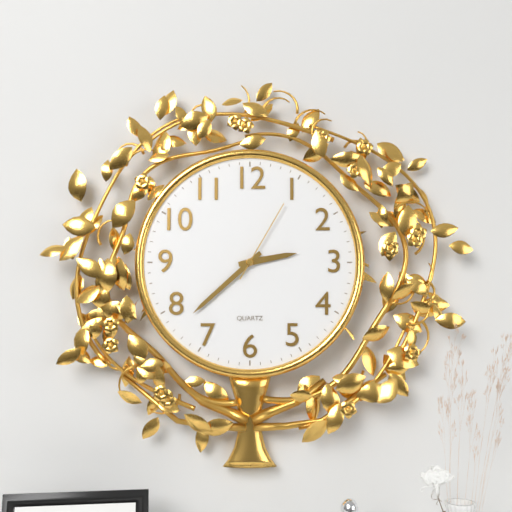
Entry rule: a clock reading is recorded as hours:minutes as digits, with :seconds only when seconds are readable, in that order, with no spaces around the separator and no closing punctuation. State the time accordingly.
2:38:05
